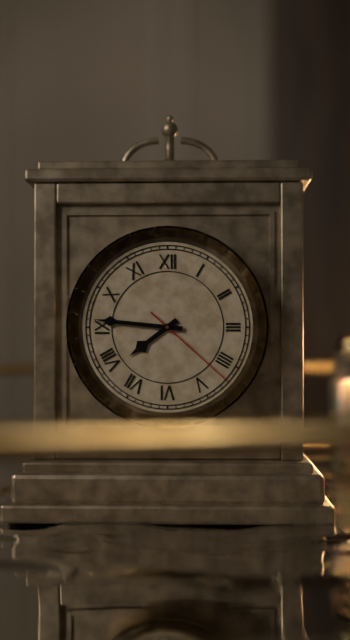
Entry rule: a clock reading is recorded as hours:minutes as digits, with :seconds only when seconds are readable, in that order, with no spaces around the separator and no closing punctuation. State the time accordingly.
7:46:22
